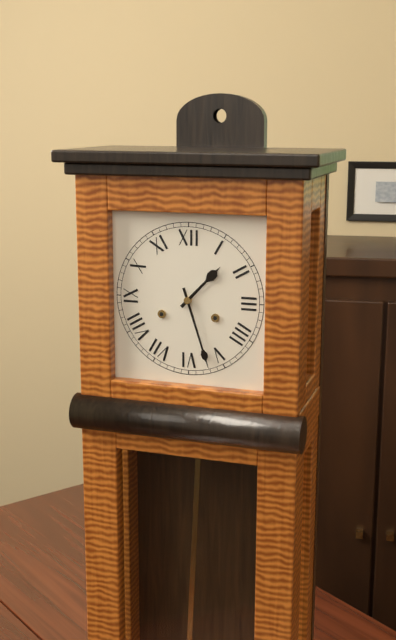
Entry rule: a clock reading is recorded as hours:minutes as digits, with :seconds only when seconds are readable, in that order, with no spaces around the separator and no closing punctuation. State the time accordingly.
1:27
